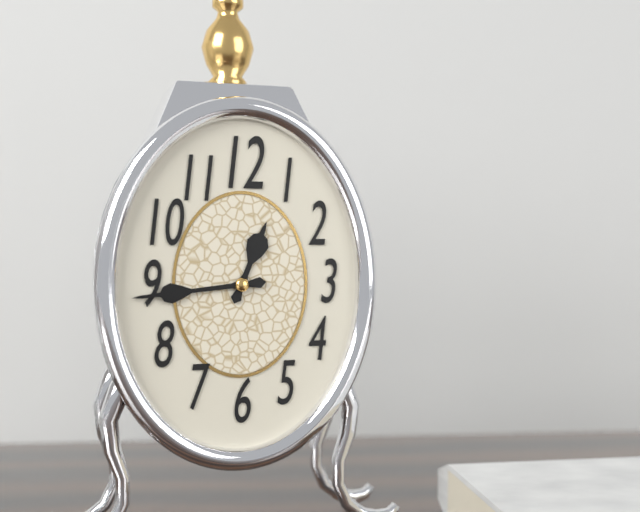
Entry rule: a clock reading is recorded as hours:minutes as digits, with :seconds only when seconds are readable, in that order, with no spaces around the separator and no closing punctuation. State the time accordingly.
12:44
